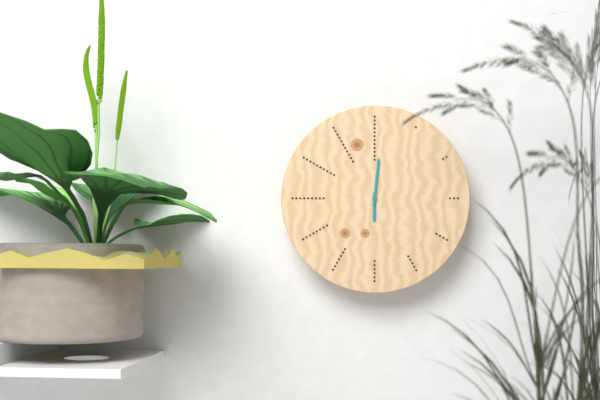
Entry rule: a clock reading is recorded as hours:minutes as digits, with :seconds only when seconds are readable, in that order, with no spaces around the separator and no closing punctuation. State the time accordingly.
6:01
